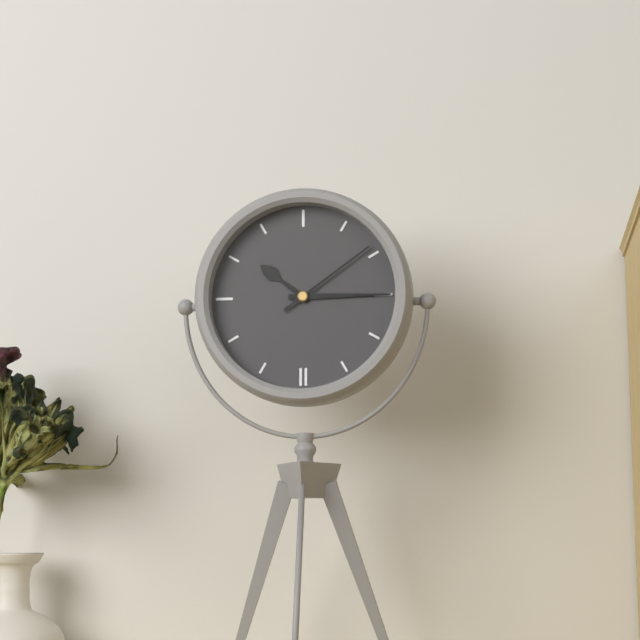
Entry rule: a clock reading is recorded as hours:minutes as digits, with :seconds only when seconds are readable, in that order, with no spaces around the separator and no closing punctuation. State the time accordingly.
10:15:09
